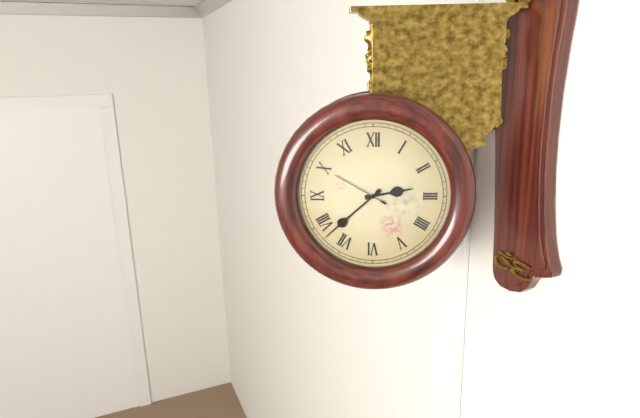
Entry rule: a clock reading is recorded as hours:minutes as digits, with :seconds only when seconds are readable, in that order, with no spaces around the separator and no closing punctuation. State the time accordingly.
2:38:50
